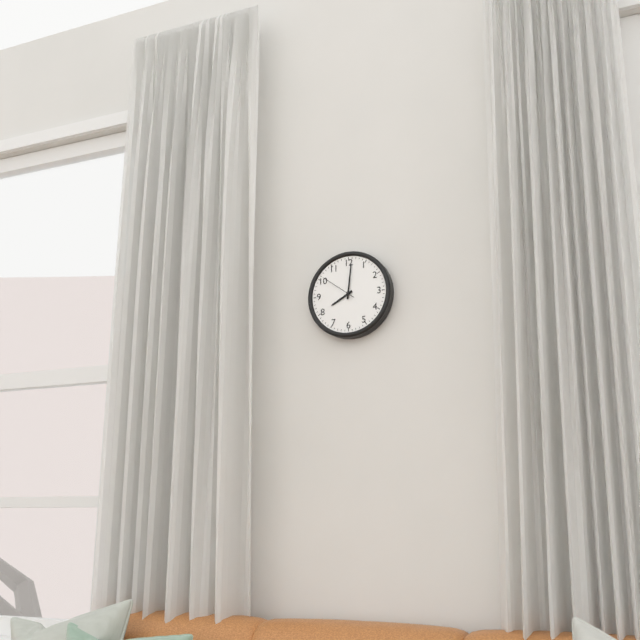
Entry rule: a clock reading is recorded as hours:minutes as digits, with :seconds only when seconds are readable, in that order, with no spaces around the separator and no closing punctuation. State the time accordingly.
8:01
